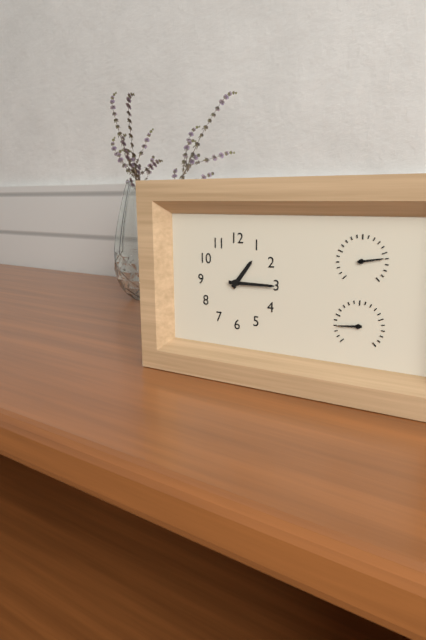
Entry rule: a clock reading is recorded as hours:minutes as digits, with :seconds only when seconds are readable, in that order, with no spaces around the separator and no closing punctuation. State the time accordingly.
1:15
